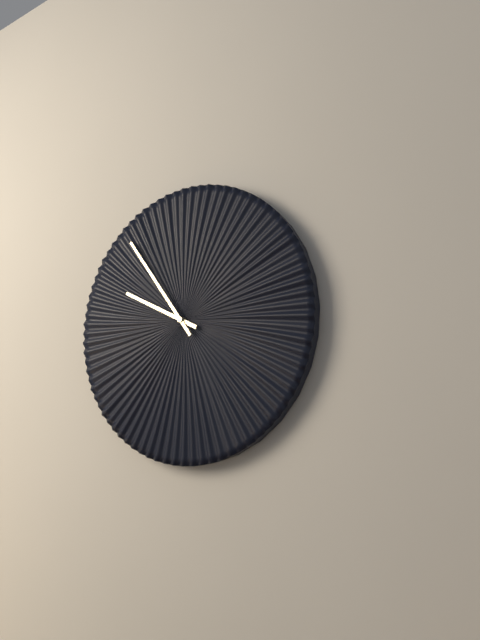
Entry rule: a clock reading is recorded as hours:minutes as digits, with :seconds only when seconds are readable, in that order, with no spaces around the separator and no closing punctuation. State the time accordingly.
9:54
